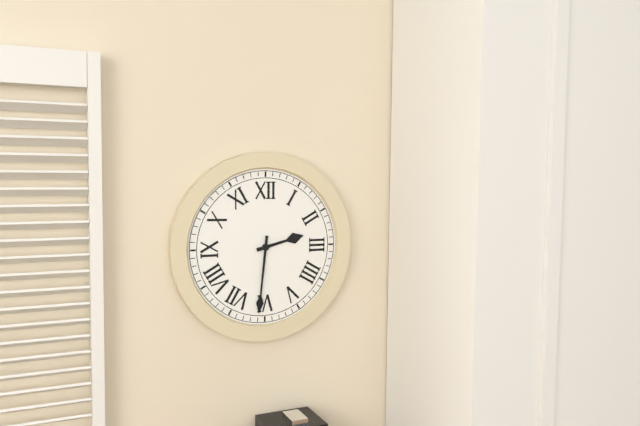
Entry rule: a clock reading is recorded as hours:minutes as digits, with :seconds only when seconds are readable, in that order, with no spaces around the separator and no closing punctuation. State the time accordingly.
2:31
